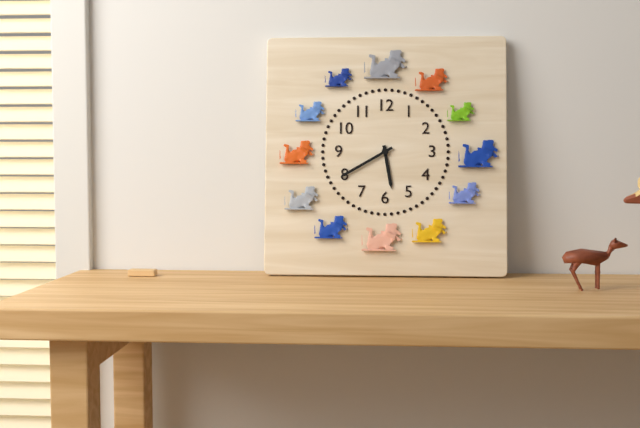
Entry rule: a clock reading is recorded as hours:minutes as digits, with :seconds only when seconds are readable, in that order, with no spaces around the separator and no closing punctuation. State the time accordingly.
5:40
